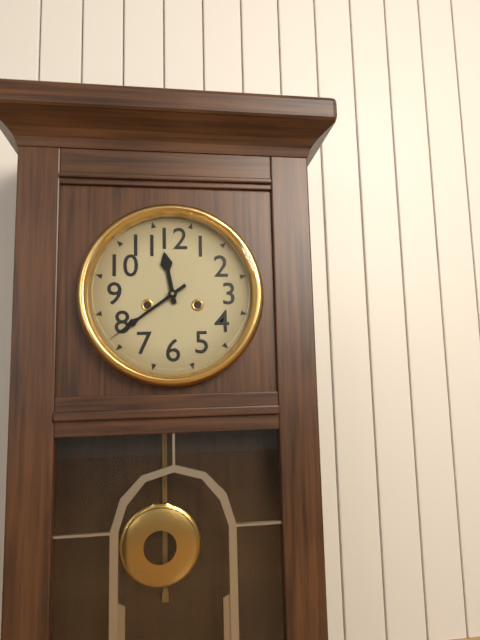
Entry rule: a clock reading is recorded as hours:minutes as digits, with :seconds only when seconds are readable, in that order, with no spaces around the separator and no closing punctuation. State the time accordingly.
11:39
